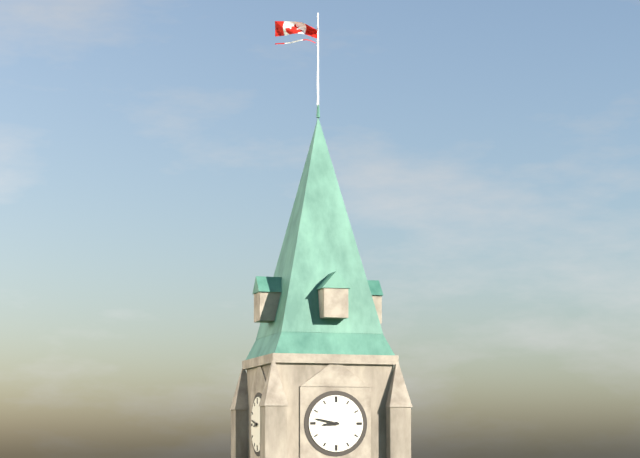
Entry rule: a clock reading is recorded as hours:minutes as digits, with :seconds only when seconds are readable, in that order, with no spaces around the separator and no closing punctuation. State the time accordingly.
8:47
